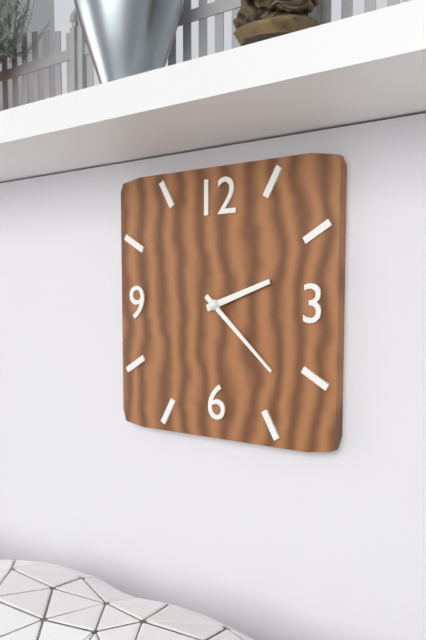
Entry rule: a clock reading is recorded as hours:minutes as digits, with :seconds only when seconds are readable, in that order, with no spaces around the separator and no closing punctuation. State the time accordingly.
2:22
